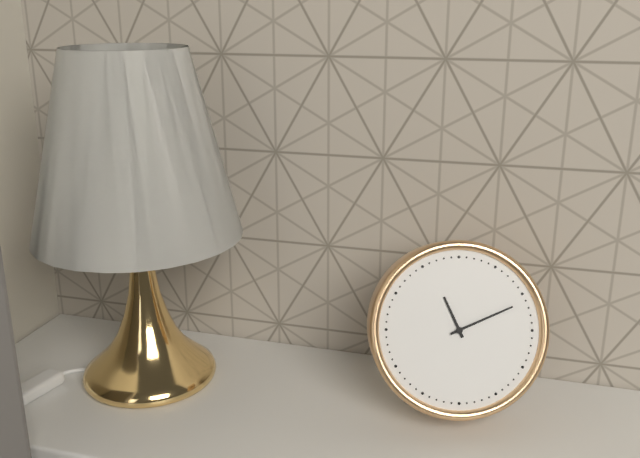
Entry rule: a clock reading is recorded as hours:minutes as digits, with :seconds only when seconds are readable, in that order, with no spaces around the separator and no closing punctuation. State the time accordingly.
11:11
